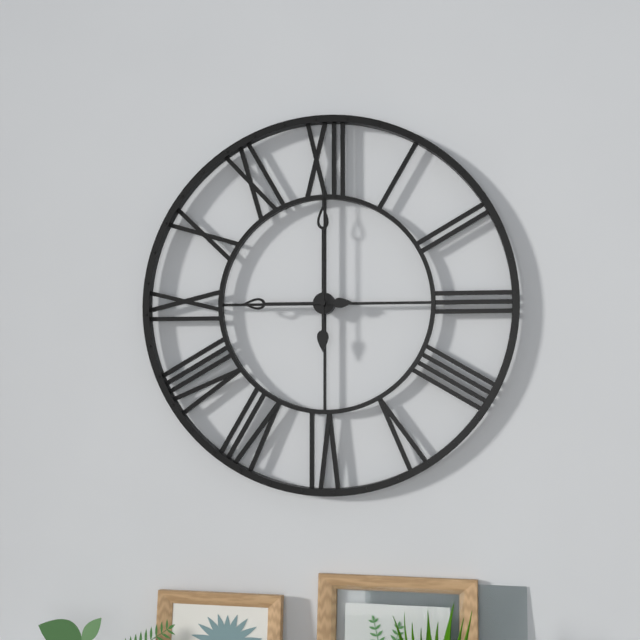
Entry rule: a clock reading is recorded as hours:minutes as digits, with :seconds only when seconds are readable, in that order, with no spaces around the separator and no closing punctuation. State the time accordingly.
9:00
